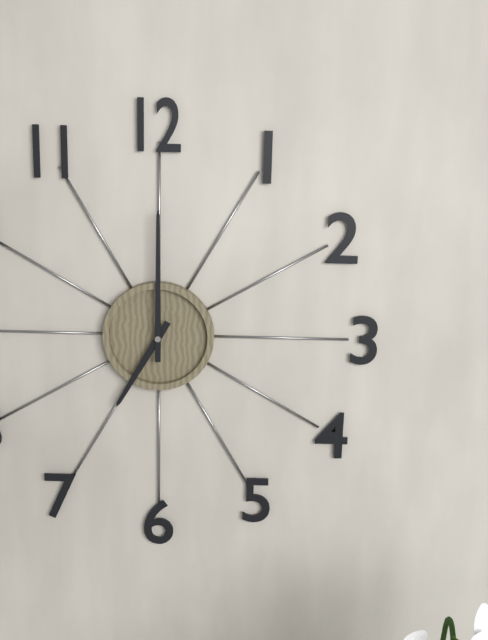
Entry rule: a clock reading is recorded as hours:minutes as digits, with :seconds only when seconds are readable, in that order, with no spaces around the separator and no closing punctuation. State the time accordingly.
7:00
